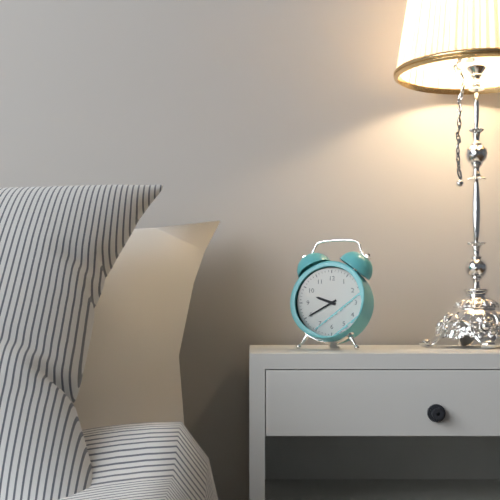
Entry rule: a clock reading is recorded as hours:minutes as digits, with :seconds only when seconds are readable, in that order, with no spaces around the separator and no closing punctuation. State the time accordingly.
9:40
